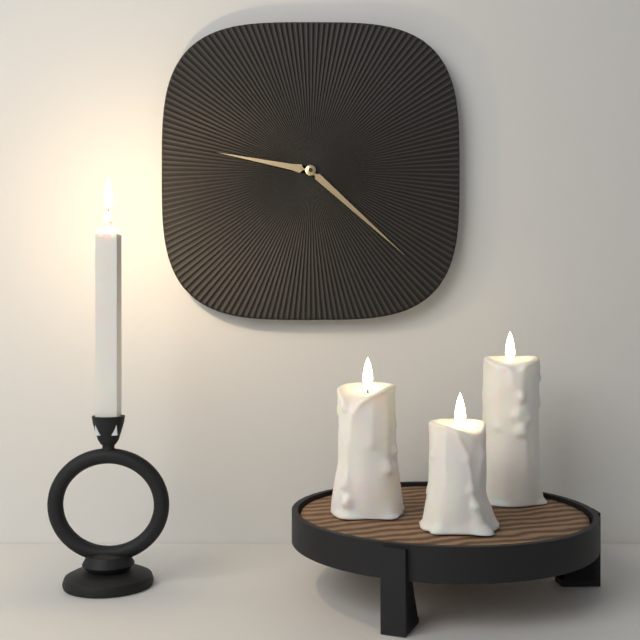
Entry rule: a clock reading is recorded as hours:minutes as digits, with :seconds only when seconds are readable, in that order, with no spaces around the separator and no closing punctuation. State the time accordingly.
9:22
